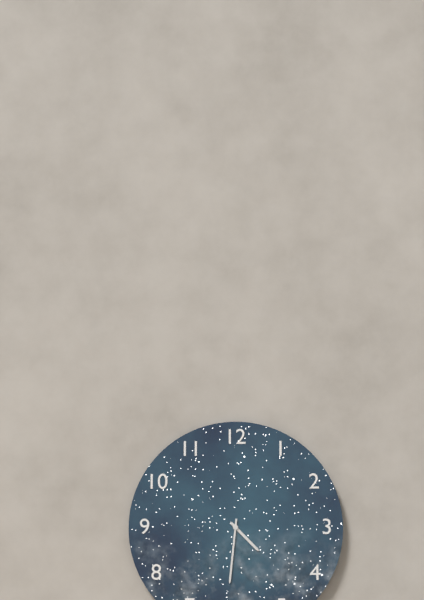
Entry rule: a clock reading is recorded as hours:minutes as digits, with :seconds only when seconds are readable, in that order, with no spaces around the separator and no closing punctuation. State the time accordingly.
4:31
